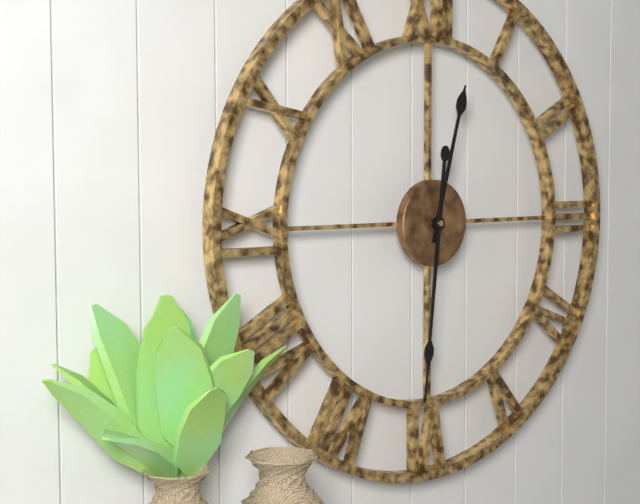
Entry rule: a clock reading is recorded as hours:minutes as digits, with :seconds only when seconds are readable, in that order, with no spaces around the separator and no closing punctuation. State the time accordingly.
12:31
